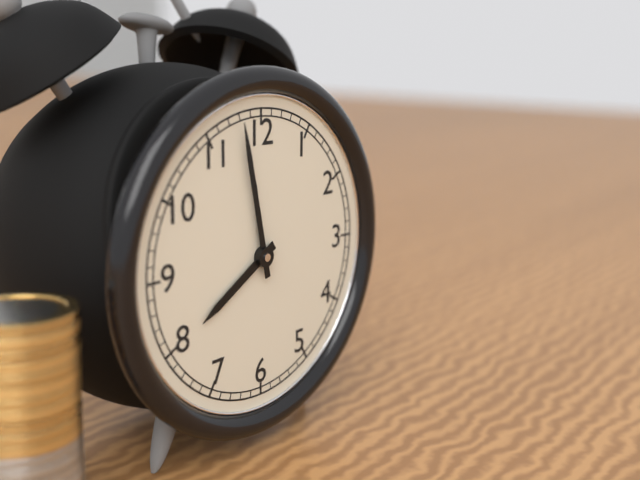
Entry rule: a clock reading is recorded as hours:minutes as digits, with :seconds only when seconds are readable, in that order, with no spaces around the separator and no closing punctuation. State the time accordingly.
7:58
